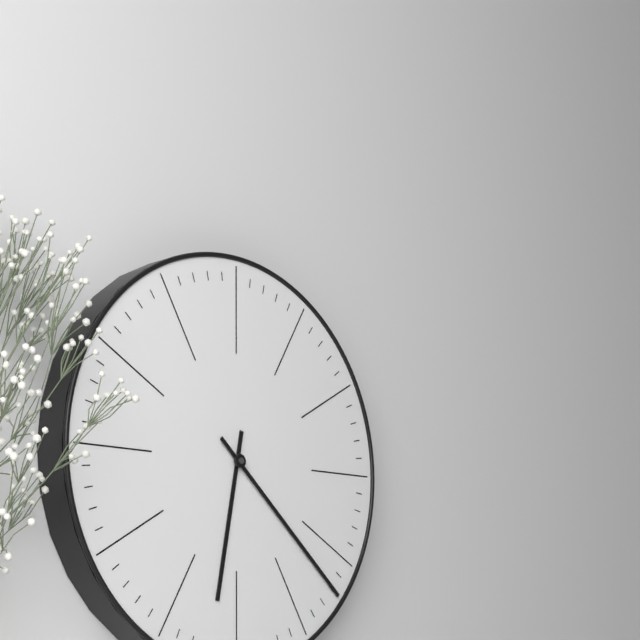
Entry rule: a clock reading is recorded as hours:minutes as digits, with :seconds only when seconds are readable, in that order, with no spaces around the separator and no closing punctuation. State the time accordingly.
6:22
